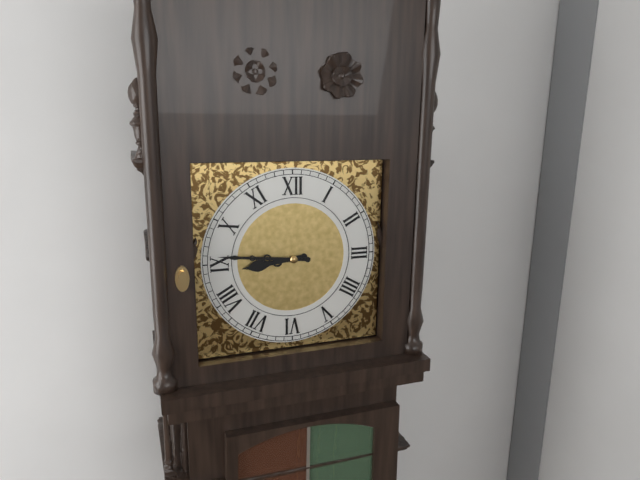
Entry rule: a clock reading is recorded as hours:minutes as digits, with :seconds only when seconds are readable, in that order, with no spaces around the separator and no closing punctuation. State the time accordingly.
8:46
